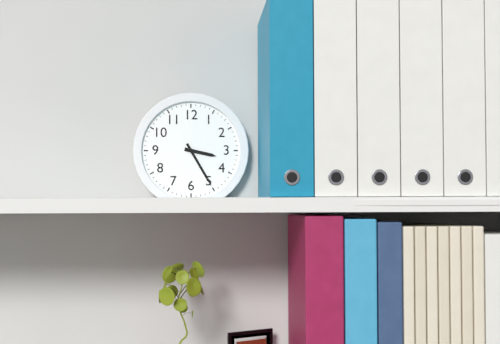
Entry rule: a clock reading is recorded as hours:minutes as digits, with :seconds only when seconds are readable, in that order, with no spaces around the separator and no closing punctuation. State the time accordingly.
3:25
